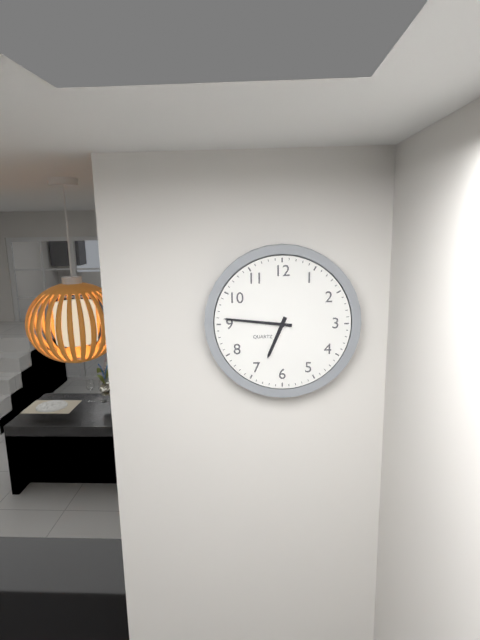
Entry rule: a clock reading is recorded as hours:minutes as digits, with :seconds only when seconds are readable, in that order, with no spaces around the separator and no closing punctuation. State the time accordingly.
6:46
